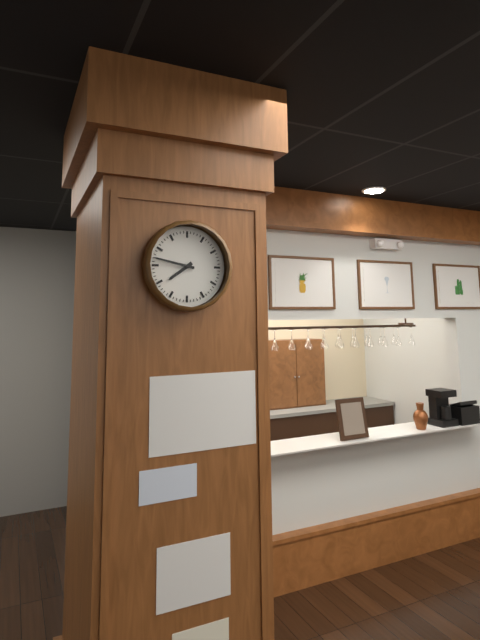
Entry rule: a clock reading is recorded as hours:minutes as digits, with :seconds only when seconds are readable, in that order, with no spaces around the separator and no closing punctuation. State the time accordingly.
7:47
